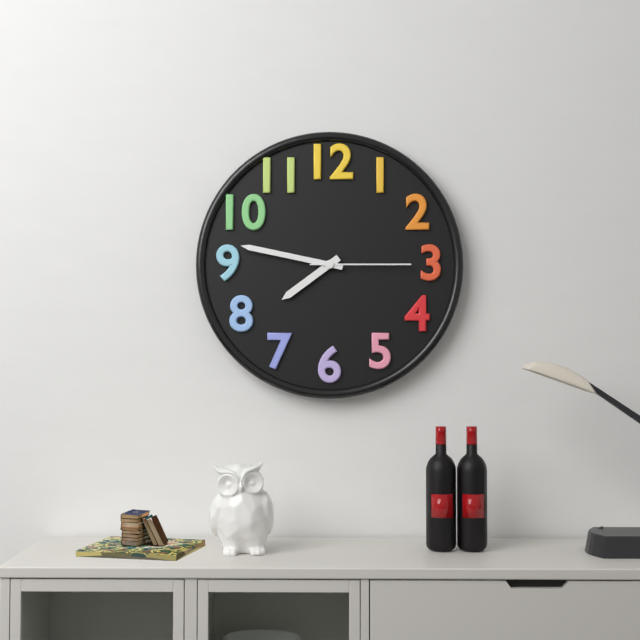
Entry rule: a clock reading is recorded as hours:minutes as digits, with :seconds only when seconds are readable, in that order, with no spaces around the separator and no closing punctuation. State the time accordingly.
7:47:15
